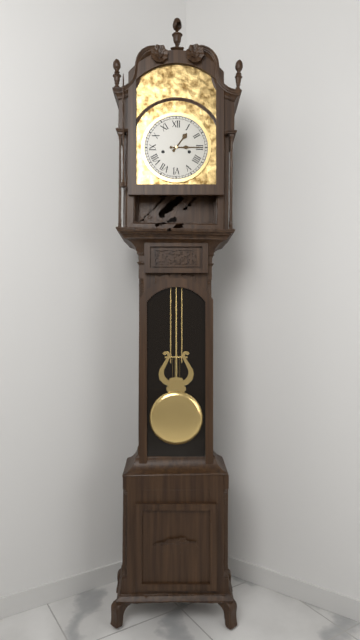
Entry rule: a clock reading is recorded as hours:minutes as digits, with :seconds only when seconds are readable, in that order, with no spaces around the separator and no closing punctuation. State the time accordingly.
1:15
